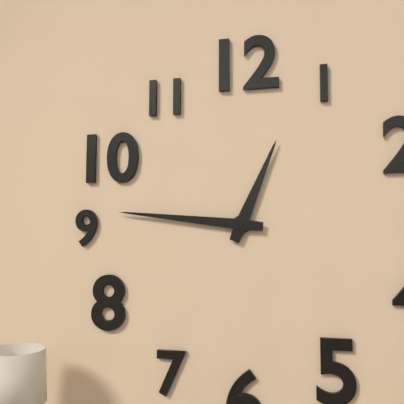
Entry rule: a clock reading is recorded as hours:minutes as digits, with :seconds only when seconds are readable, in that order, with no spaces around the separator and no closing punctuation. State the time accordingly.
12:46
